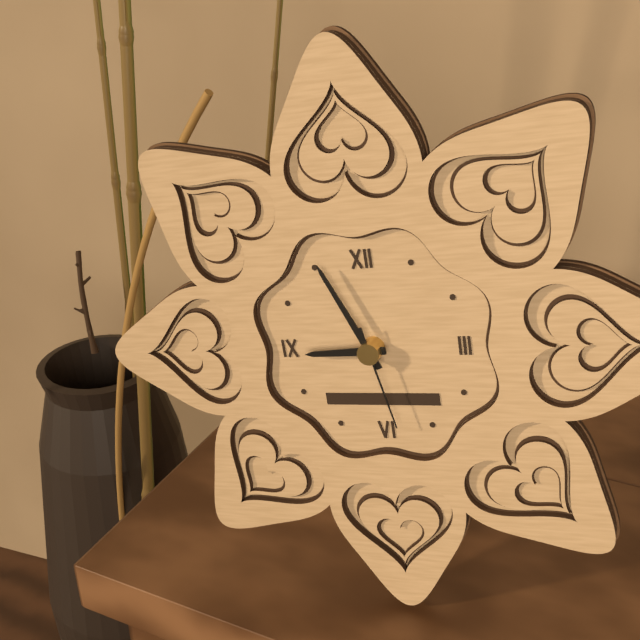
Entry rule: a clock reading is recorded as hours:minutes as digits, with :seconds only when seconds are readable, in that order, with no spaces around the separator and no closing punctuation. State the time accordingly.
8:56:28
